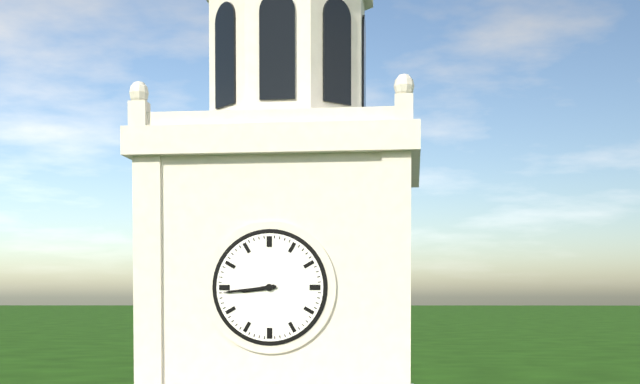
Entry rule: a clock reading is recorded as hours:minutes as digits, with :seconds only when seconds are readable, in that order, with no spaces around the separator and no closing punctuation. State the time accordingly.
8:44
